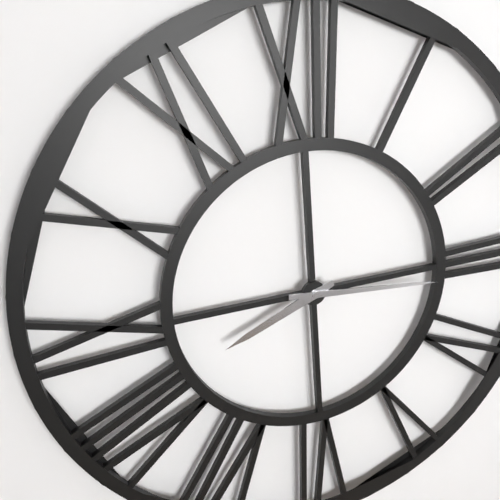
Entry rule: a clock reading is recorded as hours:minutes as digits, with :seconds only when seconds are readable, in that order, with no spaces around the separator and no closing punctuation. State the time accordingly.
8:16
